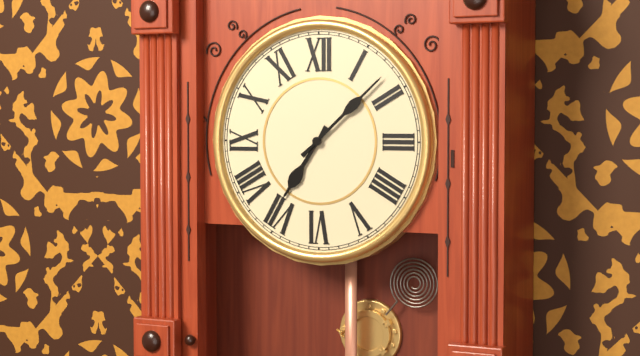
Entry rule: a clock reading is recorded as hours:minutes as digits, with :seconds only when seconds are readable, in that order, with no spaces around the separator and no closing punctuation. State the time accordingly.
7:08
